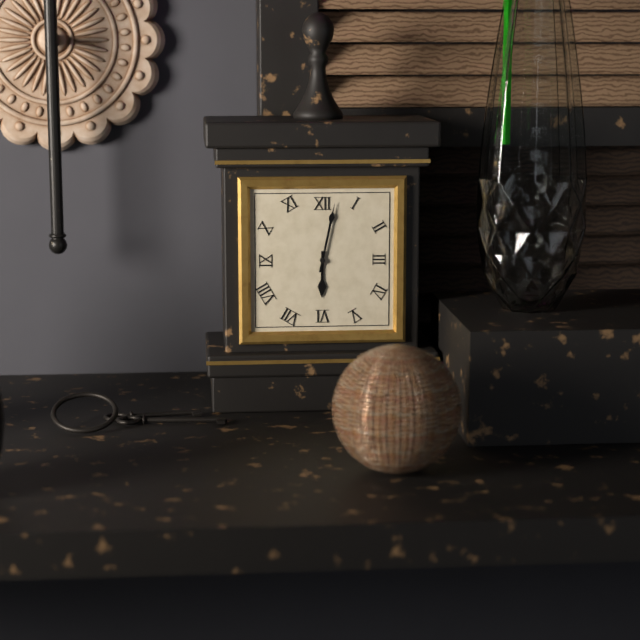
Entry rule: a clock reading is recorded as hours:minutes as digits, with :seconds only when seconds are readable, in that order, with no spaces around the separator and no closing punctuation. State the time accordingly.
6:02
